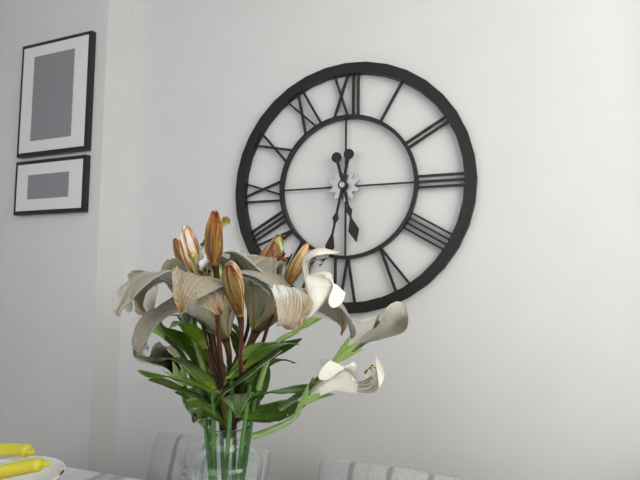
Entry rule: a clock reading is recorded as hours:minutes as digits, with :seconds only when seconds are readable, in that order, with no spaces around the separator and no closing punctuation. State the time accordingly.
5:32
